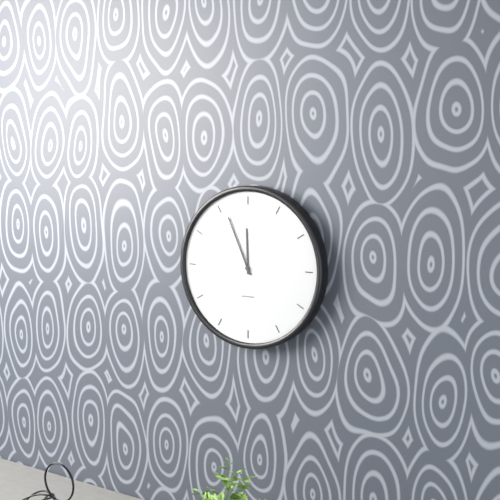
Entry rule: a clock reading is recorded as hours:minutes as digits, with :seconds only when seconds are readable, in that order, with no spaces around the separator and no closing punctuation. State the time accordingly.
11:56
